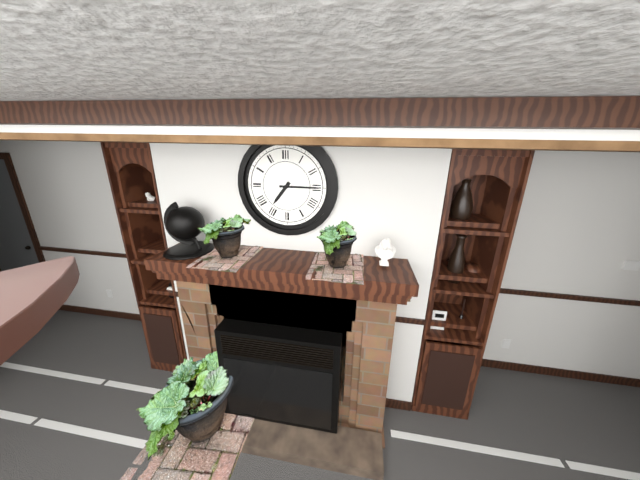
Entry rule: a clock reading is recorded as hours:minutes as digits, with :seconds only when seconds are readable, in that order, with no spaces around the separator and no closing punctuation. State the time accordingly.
7:15
